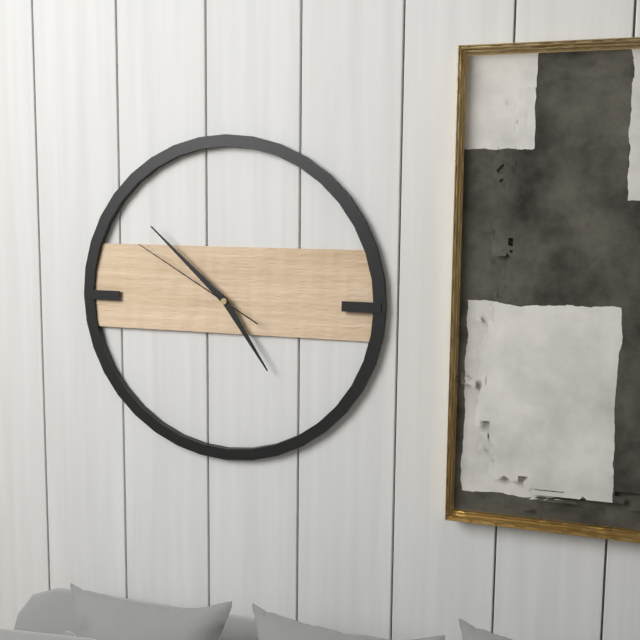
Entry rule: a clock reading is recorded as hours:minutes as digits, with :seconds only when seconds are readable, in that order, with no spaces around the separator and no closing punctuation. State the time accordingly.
4:52:50
